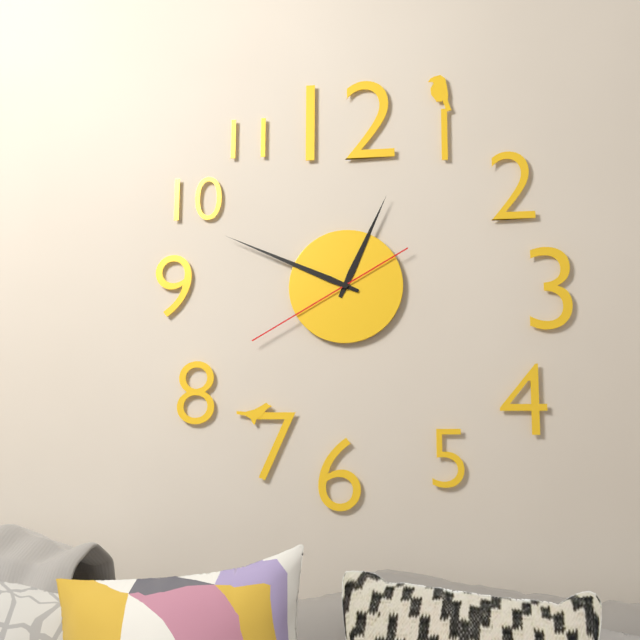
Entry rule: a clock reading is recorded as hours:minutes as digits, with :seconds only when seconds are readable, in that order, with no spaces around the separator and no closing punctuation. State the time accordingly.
12:49:40
